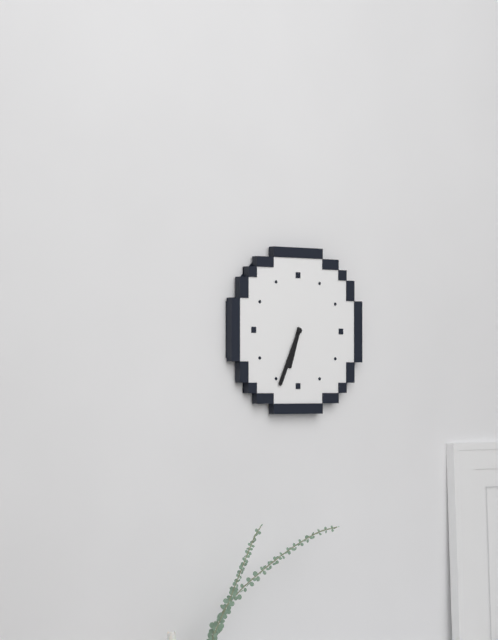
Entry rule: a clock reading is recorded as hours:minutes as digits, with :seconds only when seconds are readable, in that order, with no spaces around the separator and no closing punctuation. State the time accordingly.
6:34
